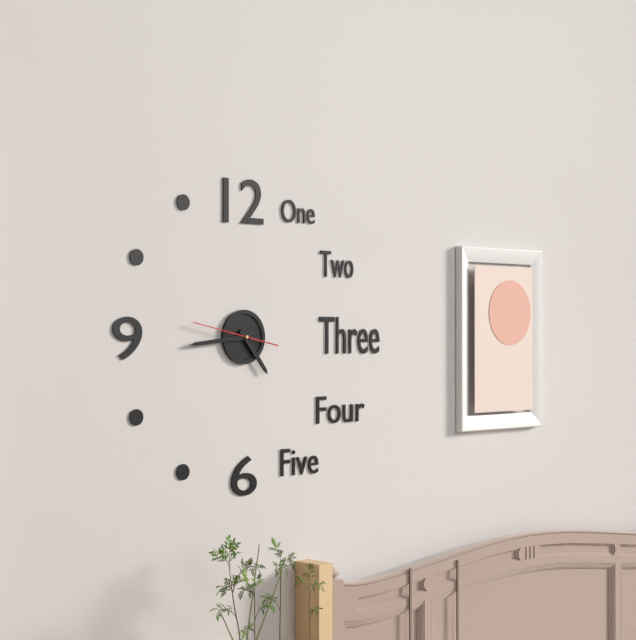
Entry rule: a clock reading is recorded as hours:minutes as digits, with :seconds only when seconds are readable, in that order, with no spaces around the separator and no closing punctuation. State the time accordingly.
4:44:47
